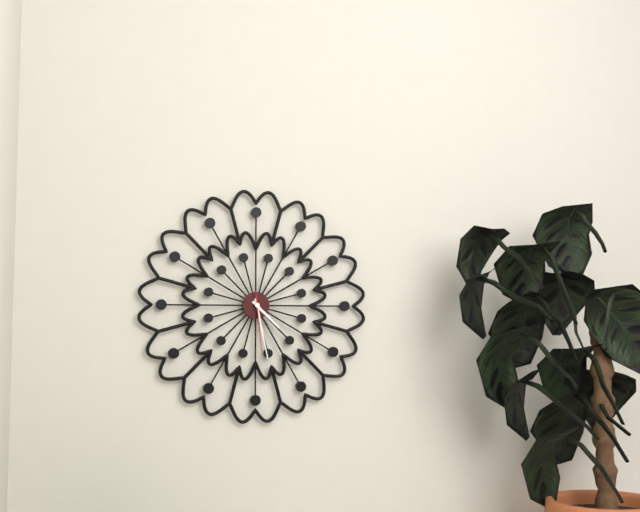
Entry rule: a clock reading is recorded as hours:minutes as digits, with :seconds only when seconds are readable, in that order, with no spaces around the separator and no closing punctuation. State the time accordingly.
4:28:29
